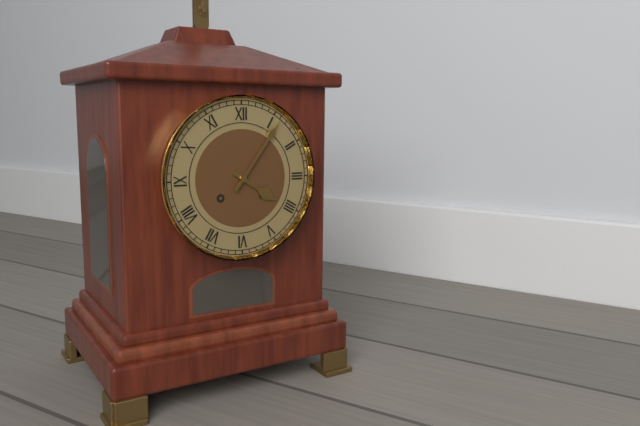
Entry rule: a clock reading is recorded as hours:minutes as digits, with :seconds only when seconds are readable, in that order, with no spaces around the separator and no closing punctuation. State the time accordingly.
4:06
